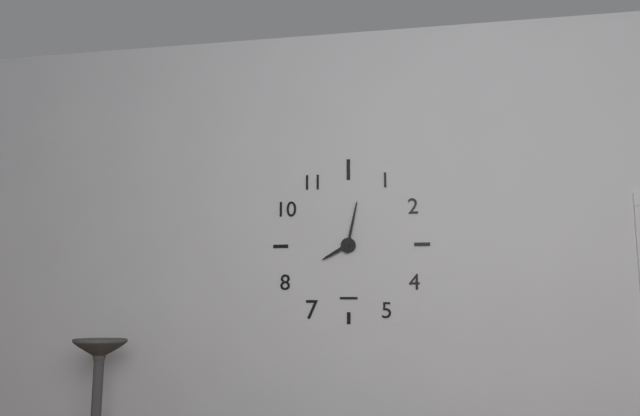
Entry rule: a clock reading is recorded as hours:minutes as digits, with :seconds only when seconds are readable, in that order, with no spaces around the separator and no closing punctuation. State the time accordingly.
8:02
